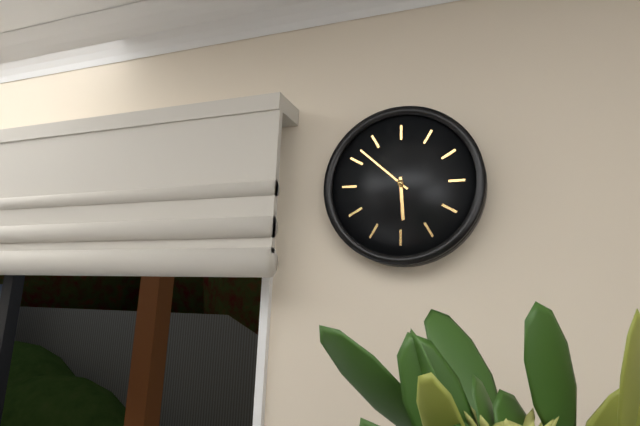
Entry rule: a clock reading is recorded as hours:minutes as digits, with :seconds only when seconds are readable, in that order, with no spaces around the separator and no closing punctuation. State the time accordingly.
5:52
